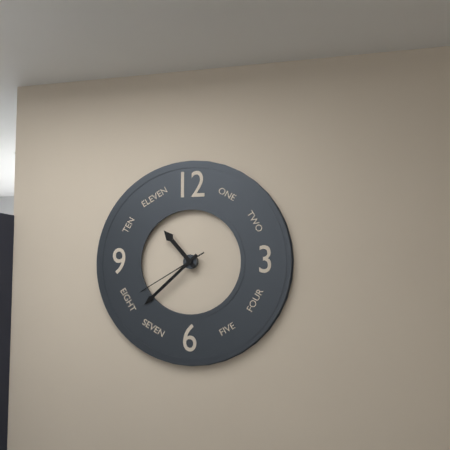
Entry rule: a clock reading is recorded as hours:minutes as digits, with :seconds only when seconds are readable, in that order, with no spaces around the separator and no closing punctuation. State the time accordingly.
10:38:40
